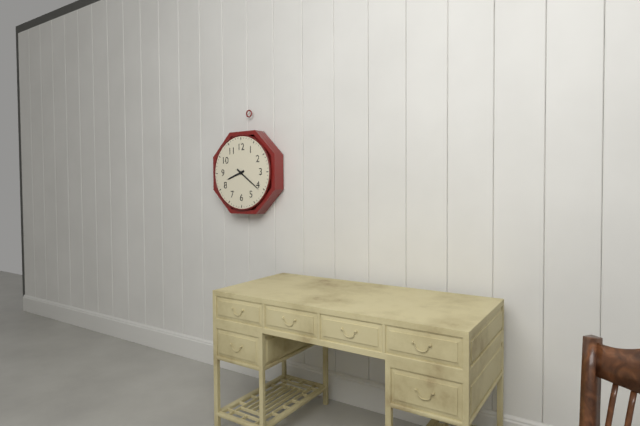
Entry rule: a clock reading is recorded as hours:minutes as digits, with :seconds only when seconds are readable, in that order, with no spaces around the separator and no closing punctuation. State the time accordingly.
8:21
